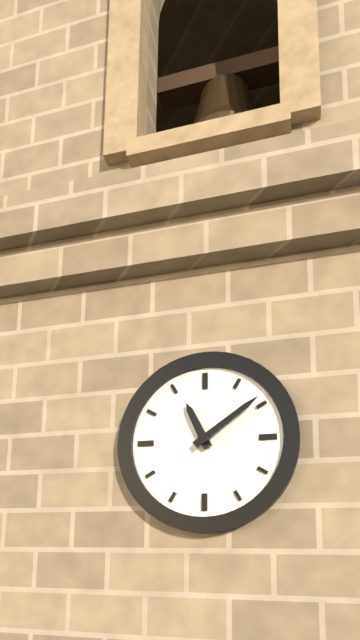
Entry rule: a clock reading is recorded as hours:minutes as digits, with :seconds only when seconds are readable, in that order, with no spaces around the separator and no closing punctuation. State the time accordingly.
11:09
